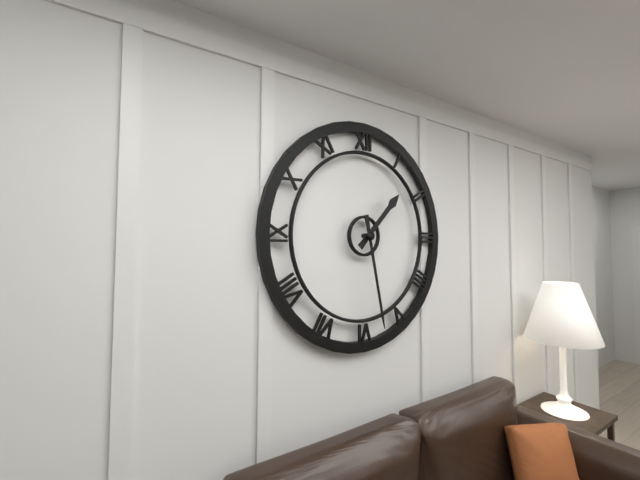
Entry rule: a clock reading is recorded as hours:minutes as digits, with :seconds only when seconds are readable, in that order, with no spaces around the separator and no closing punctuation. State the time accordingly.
1:28
